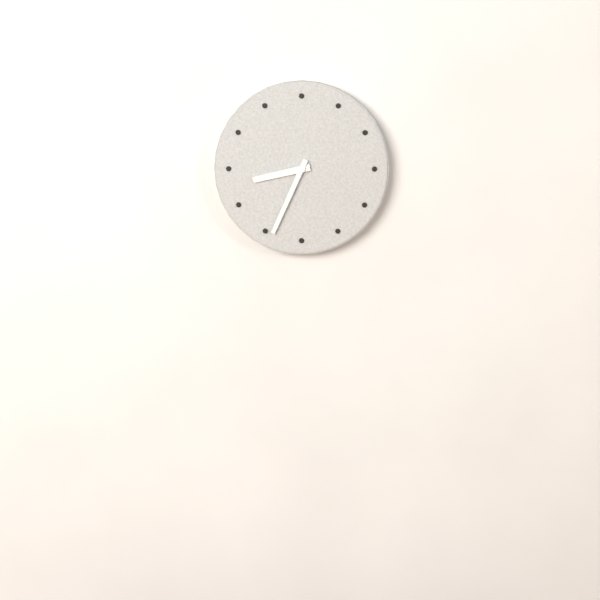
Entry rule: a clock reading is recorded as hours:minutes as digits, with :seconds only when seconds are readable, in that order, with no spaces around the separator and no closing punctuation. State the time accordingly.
8:34
